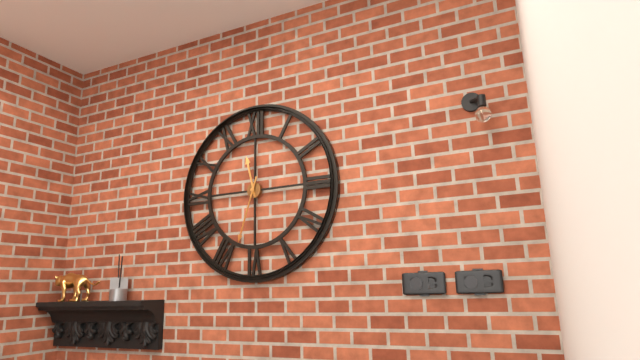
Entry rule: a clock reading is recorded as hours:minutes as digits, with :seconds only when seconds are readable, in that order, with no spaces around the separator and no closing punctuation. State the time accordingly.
11:33
